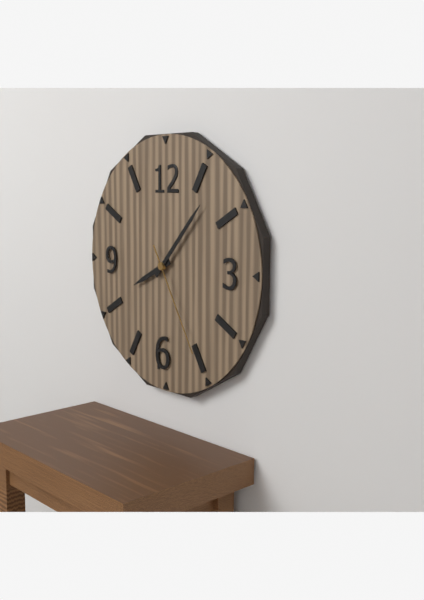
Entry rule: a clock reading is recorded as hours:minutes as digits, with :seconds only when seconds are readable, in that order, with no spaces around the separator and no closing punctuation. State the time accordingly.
8:07:25
